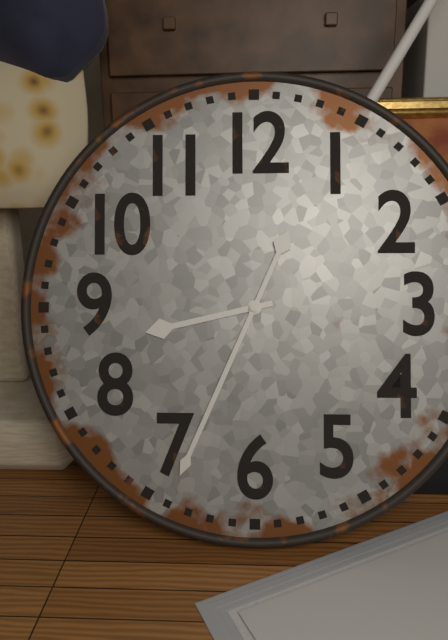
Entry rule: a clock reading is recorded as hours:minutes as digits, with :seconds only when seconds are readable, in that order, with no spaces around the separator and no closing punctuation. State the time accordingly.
8:34
